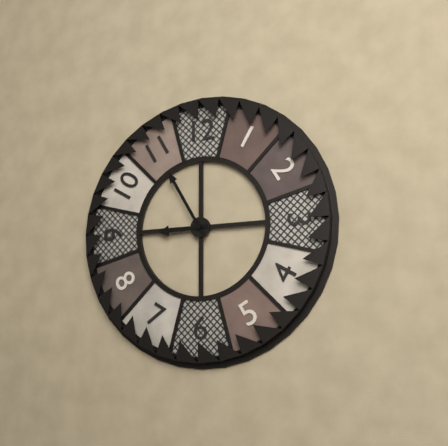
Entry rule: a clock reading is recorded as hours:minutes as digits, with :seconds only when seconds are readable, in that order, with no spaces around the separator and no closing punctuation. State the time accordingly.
8:55
